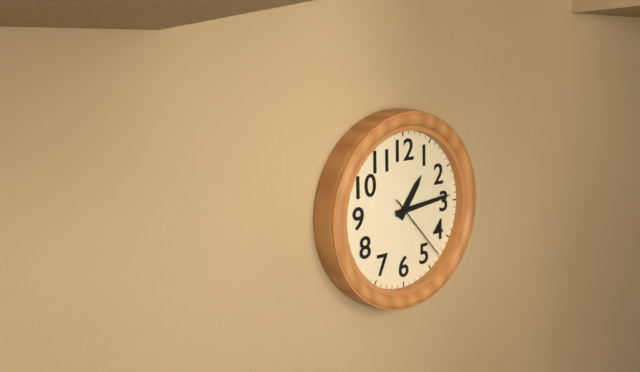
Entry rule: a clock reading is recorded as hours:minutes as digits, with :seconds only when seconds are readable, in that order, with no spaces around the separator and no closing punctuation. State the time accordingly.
1:14:23
